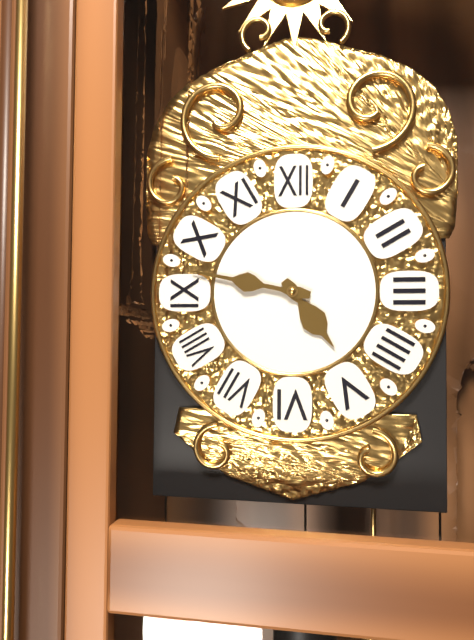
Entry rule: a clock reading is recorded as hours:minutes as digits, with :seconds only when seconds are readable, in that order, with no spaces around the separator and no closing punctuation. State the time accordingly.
4:47
